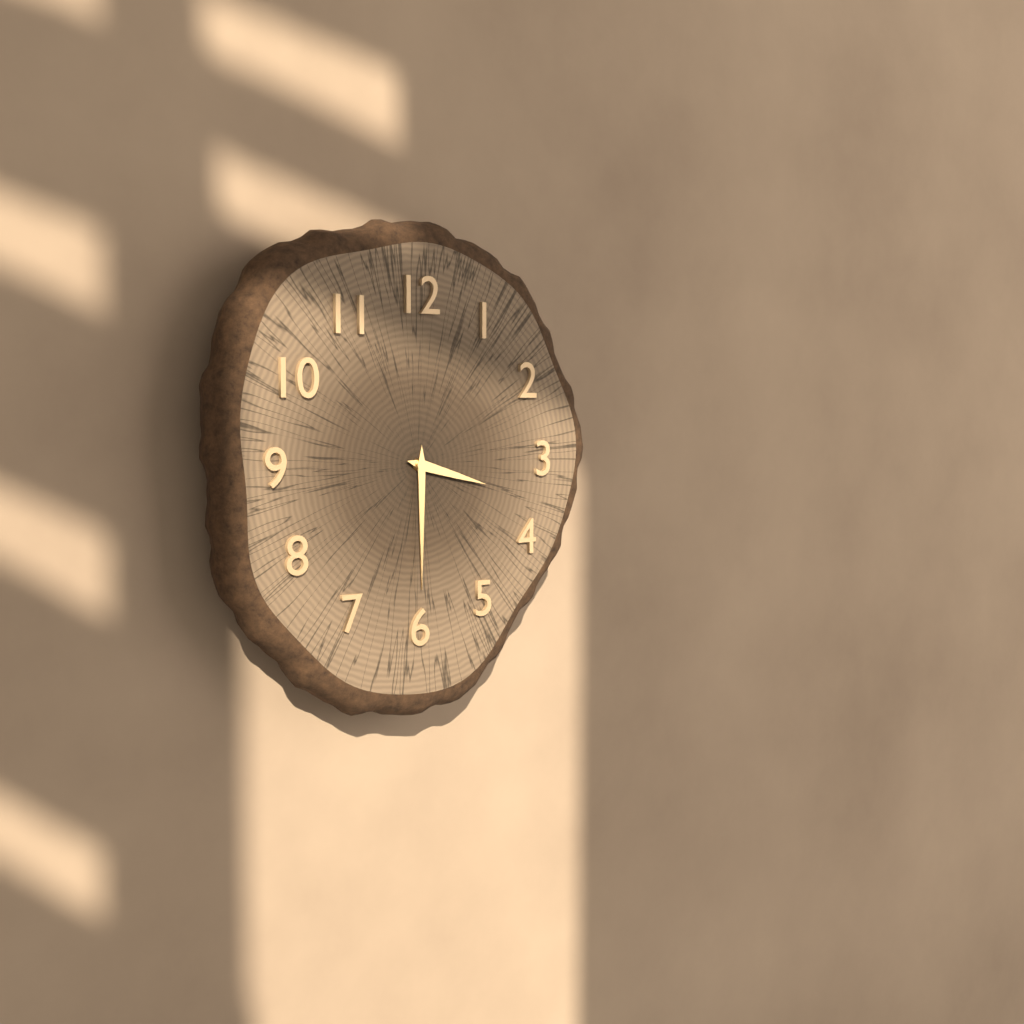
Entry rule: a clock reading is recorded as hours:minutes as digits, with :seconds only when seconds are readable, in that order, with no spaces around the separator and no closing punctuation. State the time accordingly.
3:30
